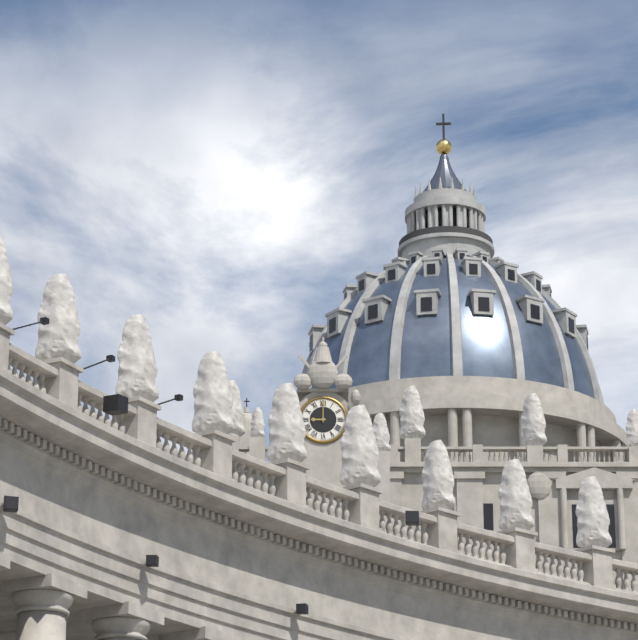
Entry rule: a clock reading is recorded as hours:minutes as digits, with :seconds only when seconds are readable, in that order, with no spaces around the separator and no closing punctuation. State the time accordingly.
9:00
